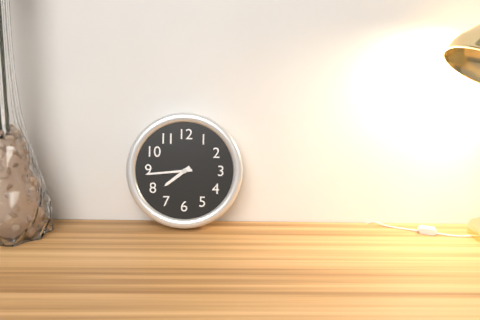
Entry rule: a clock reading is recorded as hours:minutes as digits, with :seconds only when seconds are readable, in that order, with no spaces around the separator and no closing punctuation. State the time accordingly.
7:44
